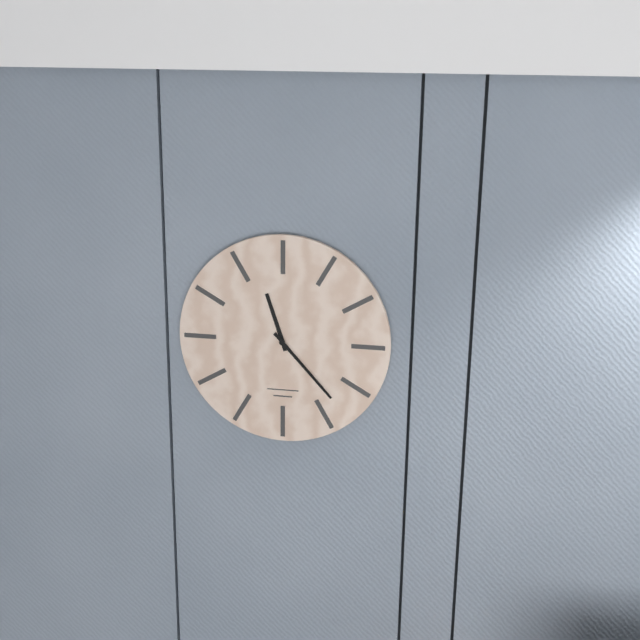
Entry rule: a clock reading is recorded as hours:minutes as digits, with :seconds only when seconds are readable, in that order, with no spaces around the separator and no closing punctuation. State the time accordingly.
11:23
